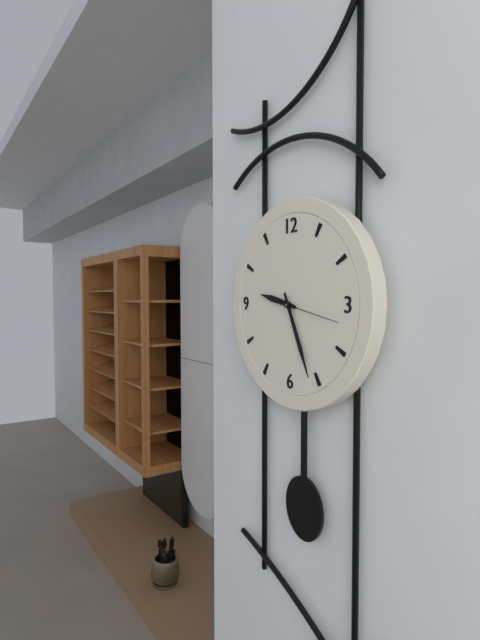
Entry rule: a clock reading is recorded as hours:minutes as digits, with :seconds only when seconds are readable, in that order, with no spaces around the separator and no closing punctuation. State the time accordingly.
9:26:17
